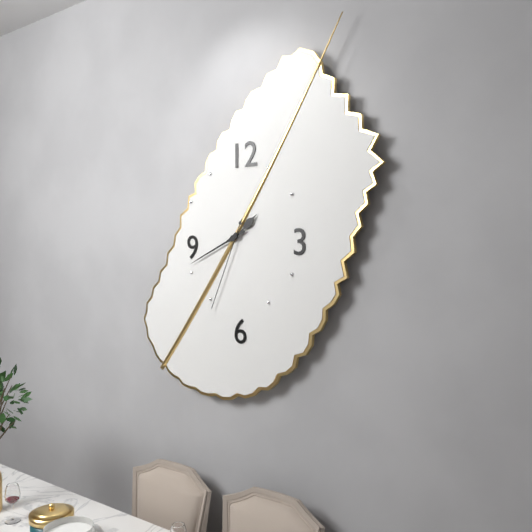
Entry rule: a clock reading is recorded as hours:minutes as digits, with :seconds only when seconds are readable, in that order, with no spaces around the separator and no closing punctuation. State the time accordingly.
1:41:34
